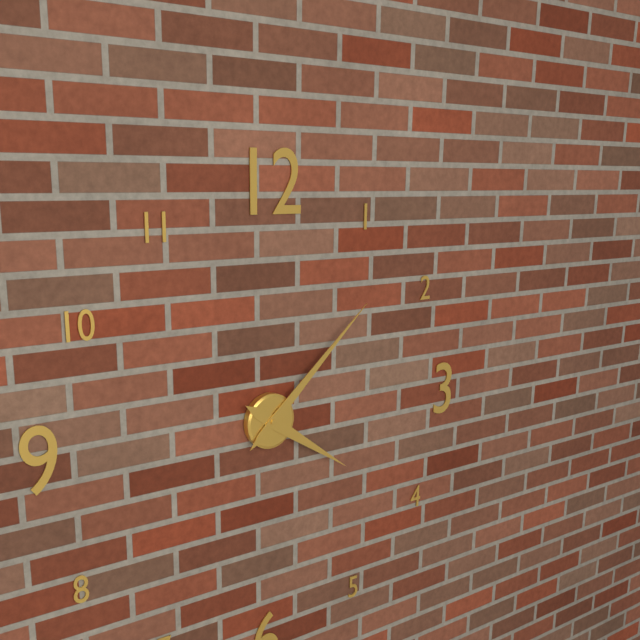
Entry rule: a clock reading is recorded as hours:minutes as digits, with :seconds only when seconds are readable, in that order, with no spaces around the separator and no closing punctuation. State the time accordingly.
4:08
